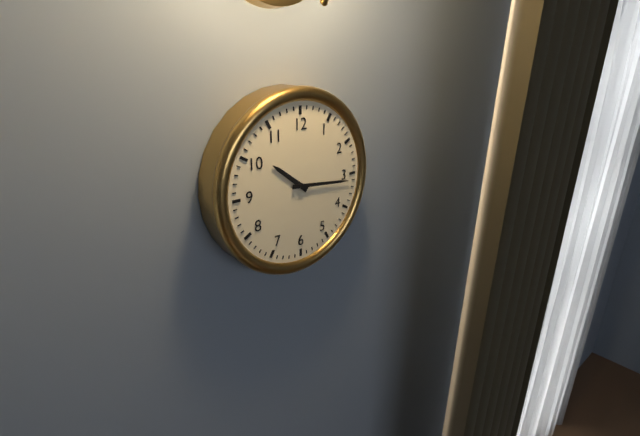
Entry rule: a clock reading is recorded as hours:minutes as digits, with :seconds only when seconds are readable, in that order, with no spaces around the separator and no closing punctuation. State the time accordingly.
10:16
